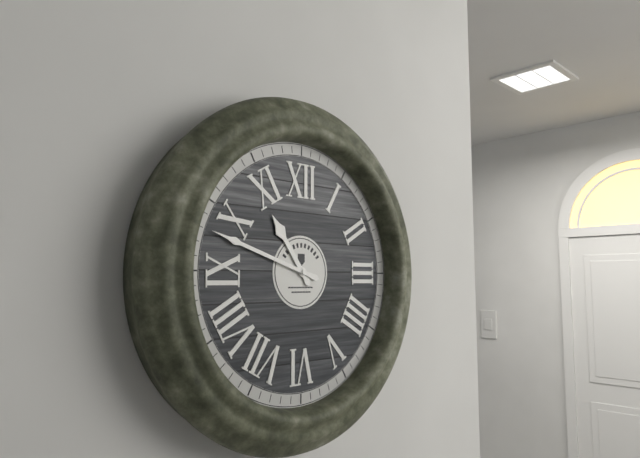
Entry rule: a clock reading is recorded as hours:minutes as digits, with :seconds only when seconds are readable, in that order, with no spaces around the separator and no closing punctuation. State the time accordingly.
10:48
